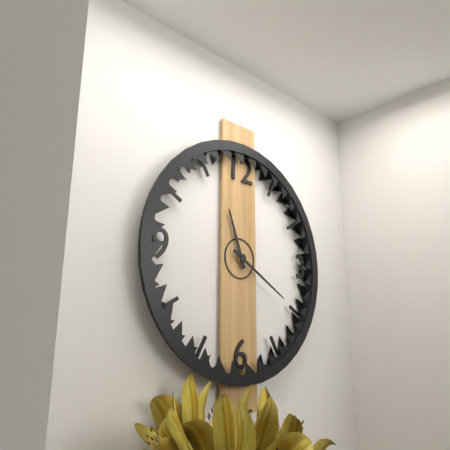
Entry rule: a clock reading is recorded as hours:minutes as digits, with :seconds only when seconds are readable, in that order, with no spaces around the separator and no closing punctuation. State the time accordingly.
11:20
